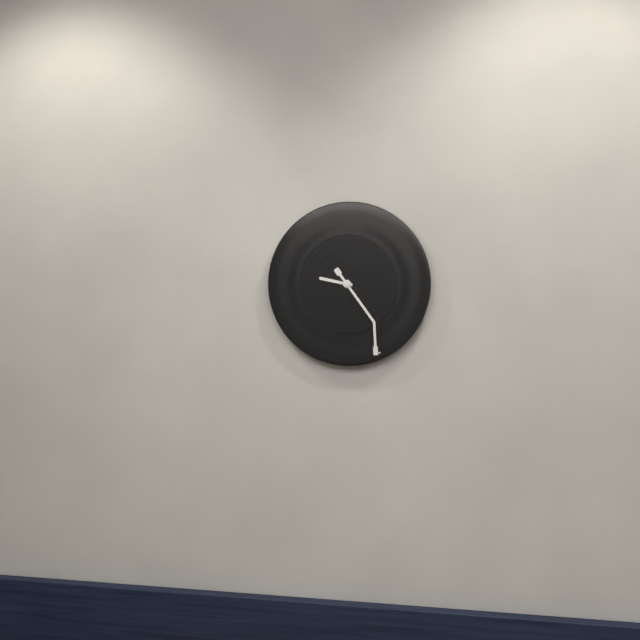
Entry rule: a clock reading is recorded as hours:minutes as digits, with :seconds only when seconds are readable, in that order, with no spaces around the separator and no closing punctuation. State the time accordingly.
9:24
